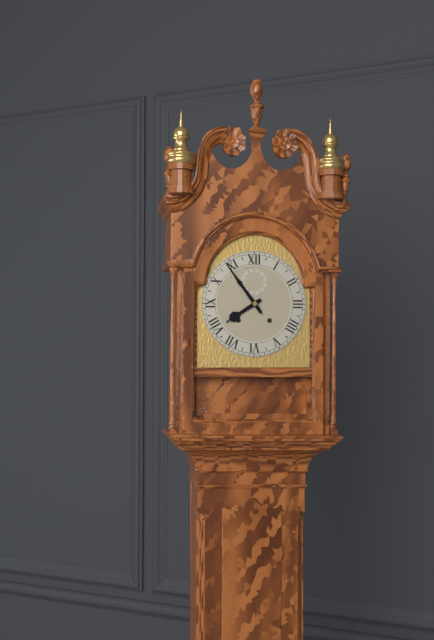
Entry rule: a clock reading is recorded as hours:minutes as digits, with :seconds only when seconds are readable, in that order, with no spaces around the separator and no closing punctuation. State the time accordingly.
7:54
